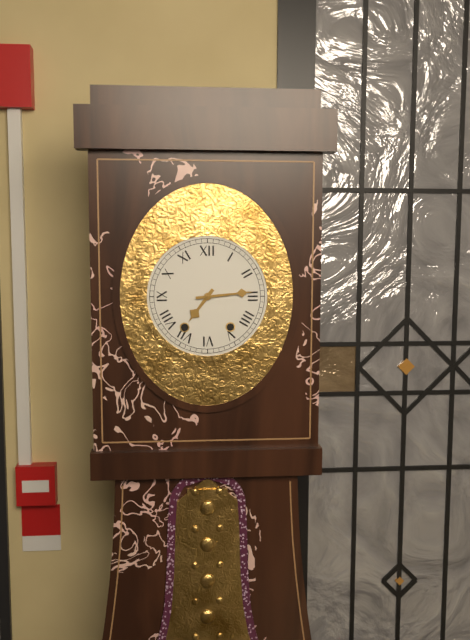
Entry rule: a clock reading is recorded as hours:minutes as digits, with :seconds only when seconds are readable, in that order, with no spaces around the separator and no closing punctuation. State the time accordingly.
7:14
